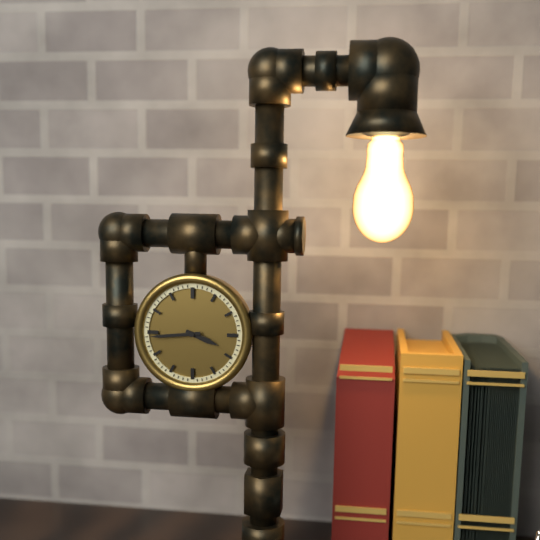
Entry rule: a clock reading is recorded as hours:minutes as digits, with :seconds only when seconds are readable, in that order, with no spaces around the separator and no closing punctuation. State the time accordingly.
3:44
